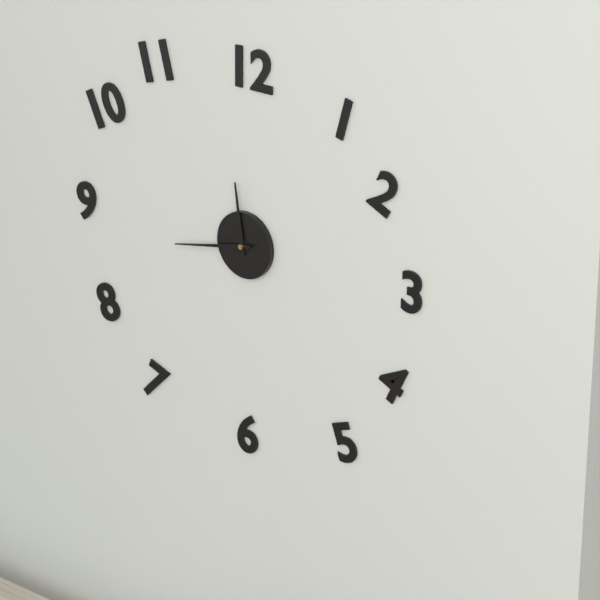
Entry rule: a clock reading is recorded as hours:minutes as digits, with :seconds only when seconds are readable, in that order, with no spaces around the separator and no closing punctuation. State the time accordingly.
11:43
